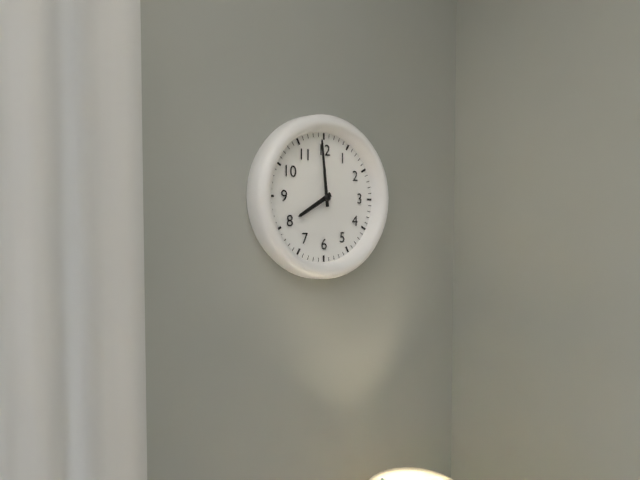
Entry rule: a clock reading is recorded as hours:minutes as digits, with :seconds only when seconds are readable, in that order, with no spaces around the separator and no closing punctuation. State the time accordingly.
7:59
